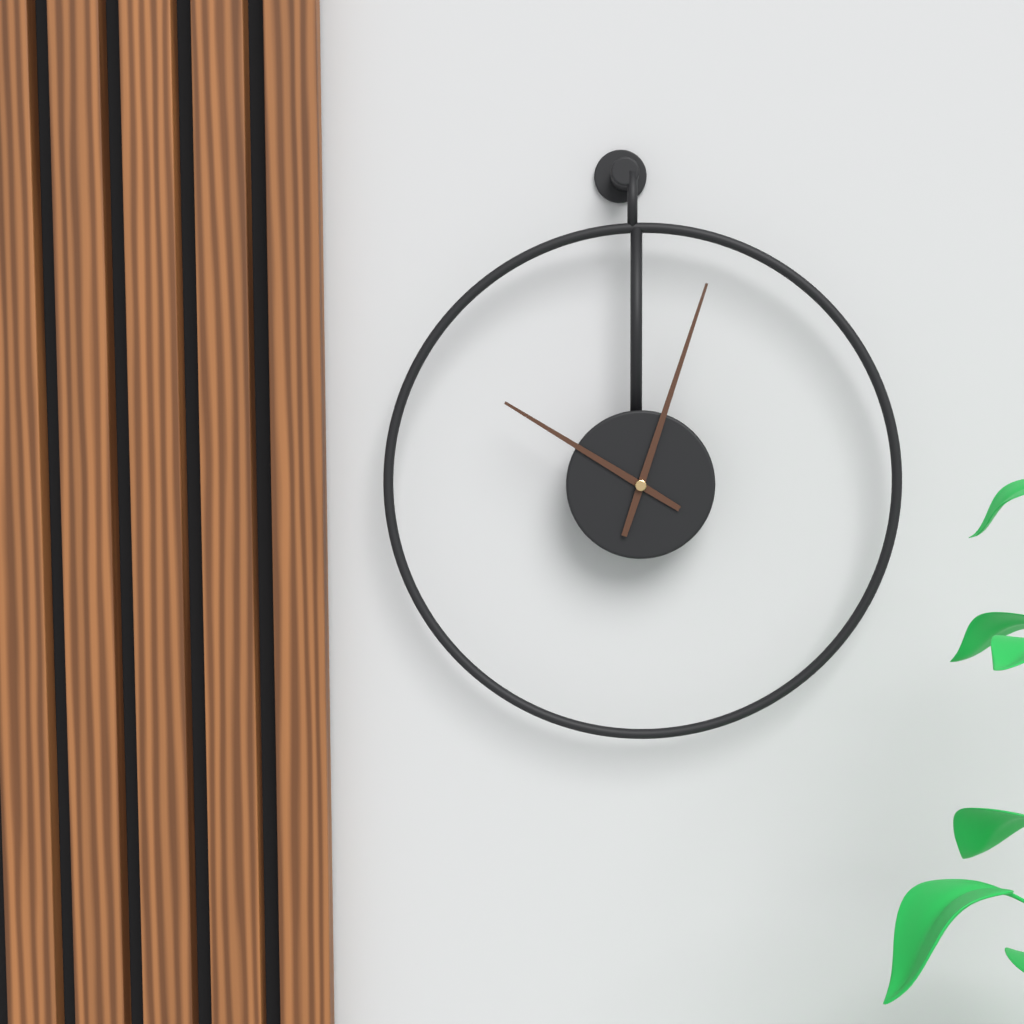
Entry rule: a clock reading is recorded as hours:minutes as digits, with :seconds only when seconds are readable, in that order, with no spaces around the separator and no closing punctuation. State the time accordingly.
10:03
